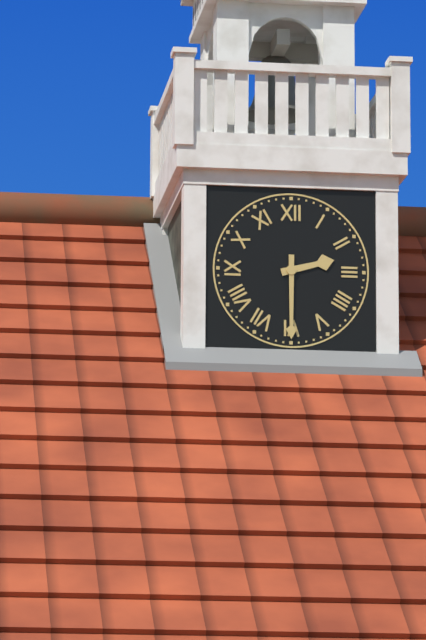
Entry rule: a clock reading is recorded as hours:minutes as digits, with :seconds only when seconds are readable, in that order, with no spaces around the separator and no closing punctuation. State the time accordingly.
2:30
